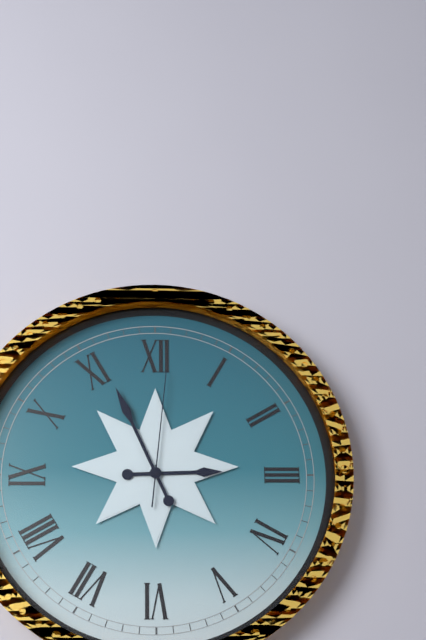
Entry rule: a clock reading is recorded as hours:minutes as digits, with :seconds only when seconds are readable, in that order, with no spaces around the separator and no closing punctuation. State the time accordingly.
2:56:01
